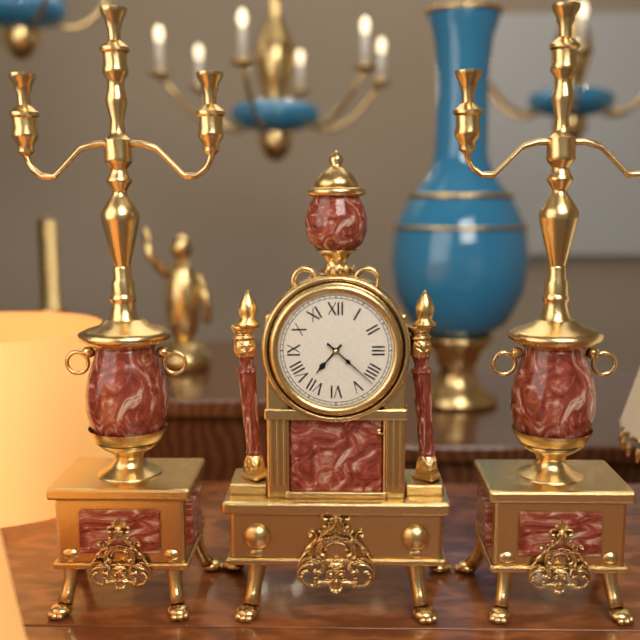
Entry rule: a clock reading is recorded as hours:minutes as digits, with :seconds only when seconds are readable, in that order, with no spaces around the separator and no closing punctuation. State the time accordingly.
7:22
